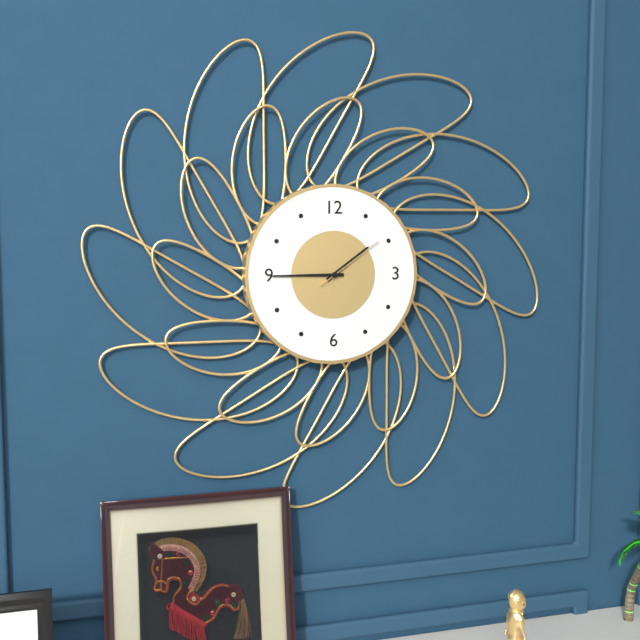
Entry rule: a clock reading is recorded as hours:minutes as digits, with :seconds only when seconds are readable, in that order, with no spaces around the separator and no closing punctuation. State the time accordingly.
1:45:09
